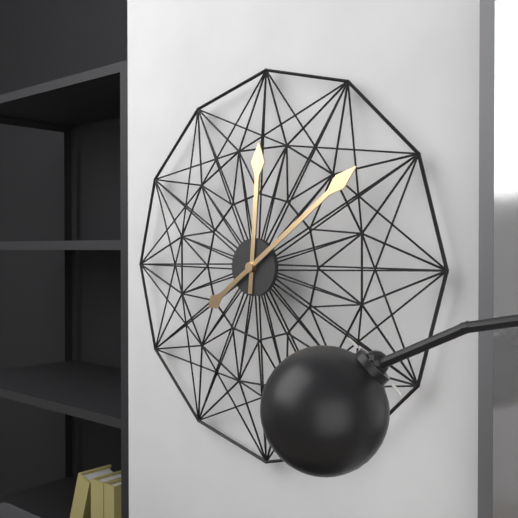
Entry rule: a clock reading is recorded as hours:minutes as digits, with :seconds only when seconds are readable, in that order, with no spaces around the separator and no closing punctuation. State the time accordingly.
12:09
